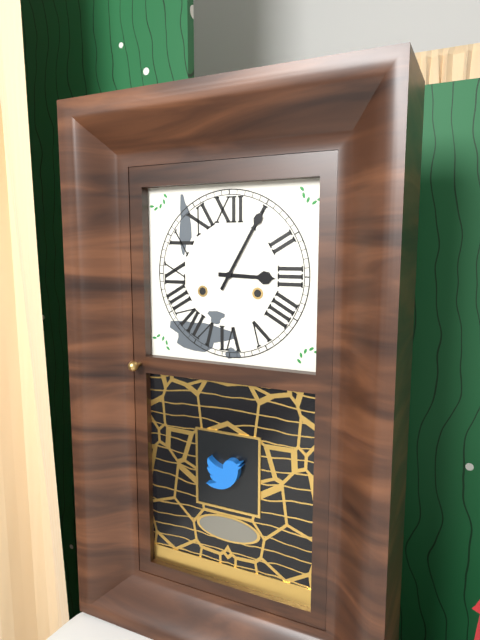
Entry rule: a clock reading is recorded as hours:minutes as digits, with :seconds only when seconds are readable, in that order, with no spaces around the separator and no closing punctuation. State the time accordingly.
3:05
